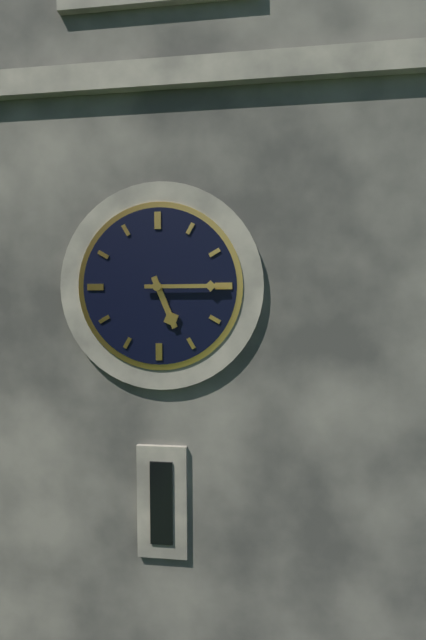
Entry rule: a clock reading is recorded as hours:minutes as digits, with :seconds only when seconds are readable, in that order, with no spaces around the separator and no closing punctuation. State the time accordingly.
5:15
